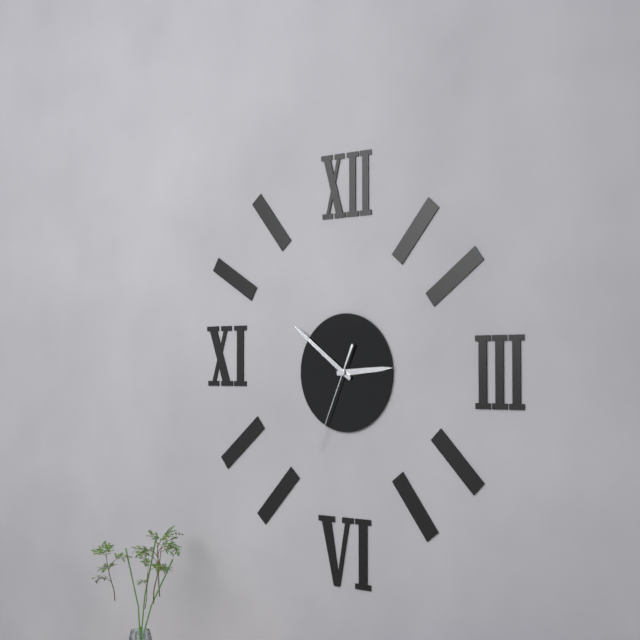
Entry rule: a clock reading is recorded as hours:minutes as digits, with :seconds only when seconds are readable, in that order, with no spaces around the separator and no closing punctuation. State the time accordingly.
2:51:34
